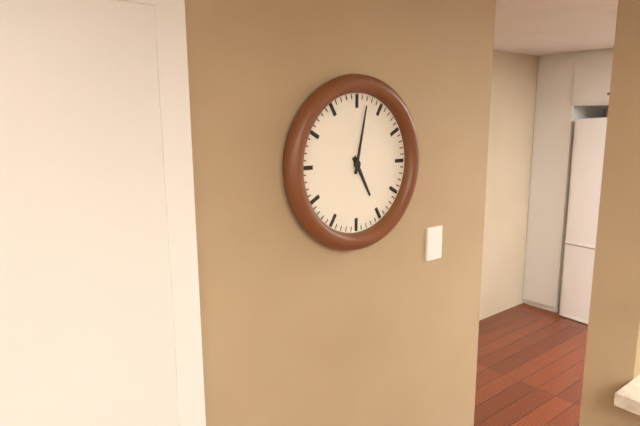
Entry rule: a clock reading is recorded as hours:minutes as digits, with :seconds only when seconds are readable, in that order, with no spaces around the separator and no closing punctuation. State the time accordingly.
5:02
